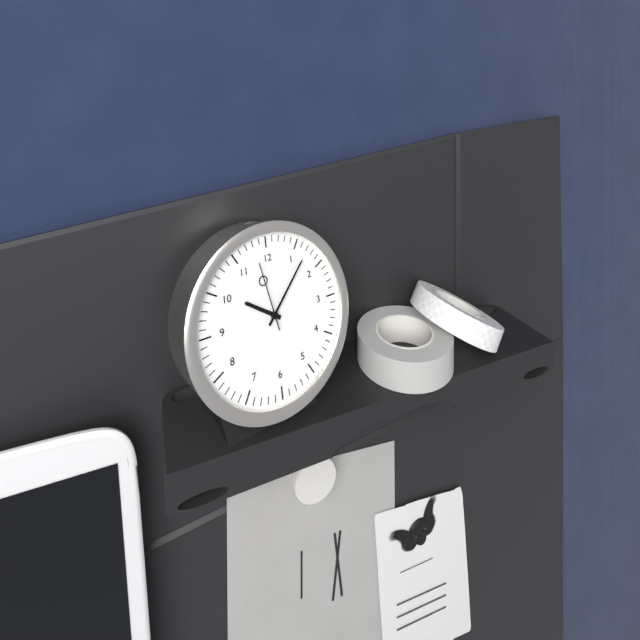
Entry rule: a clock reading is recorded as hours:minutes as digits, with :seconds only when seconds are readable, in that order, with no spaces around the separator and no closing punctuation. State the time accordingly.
10:07:58
